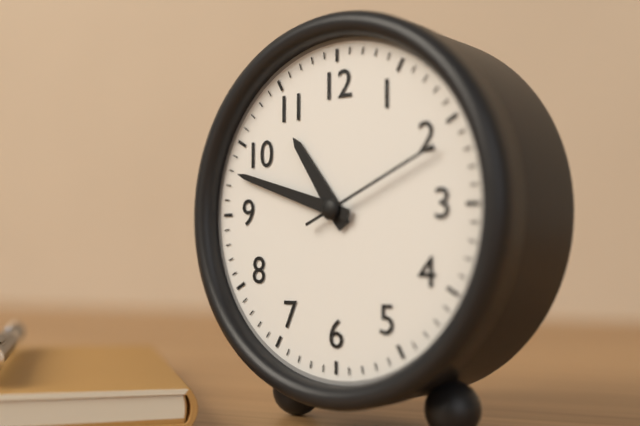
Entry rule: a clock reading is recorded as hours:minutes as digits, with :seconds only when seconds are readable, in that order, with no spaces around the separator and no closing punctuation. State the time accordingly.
10:48:11
